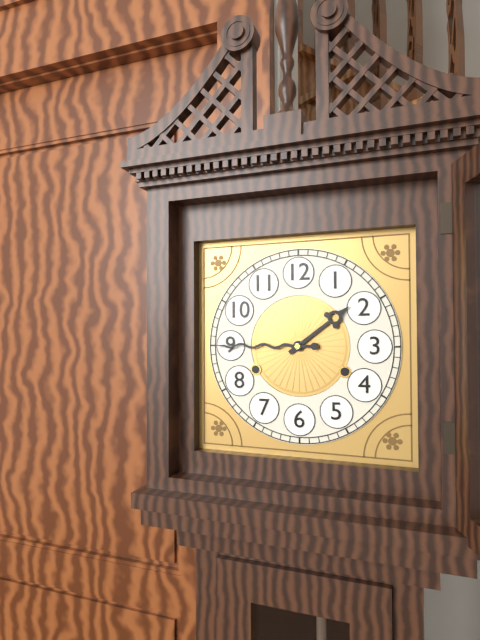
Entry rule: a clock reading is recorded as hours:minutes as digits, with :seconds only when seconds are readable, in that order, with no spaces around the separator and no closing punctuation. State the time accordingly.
1:45
